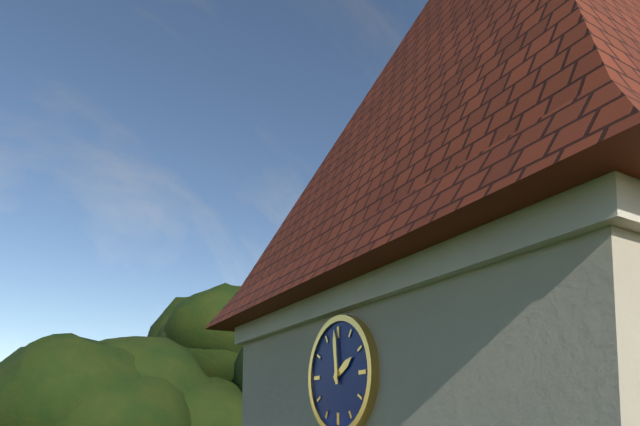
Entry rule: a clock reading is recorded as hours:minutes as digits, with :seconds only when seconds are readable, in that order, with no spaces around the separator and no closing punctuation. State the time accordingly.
1:59
